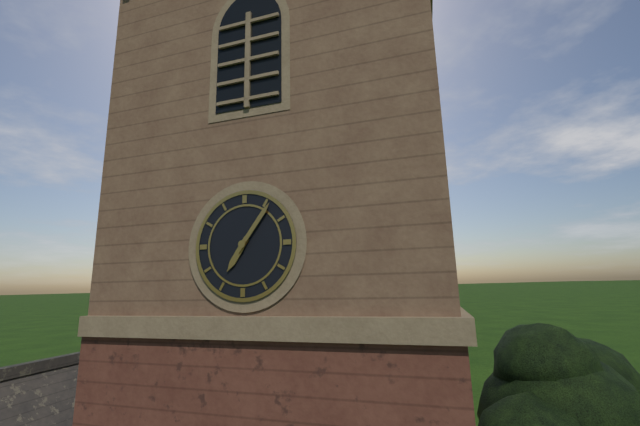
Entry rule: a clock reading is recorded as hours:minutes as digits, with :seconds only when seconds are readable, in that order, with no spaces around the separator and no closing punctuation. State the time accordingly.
7:06
